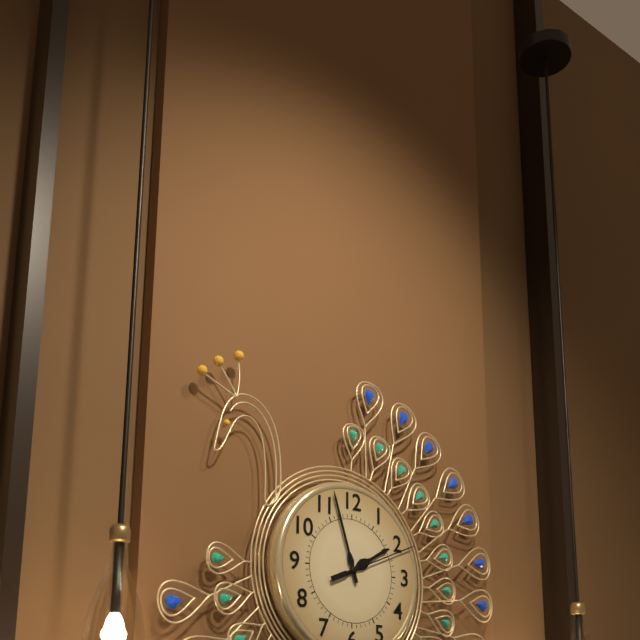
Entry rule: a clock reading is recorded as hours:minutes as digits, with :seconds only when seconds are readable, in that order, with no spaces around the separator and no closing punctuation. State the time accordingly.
1:57:11
